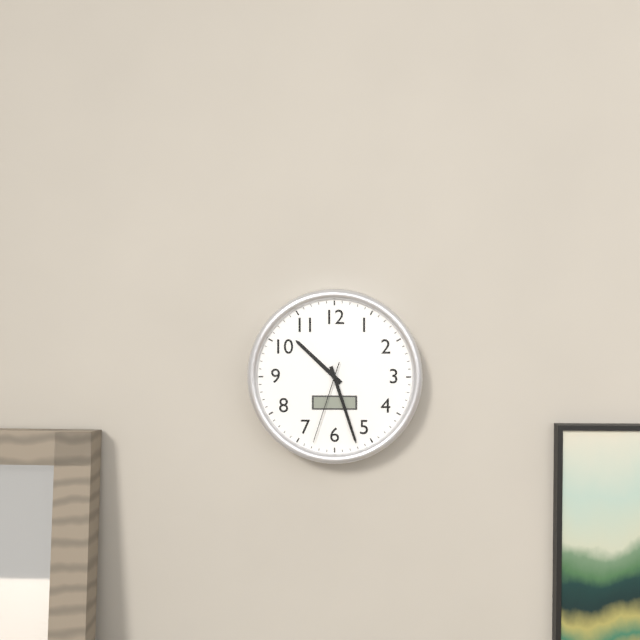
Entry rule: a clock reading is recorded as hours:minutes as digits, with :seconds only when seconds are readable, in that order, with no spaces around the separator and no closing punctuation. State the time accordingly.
10:27:33
